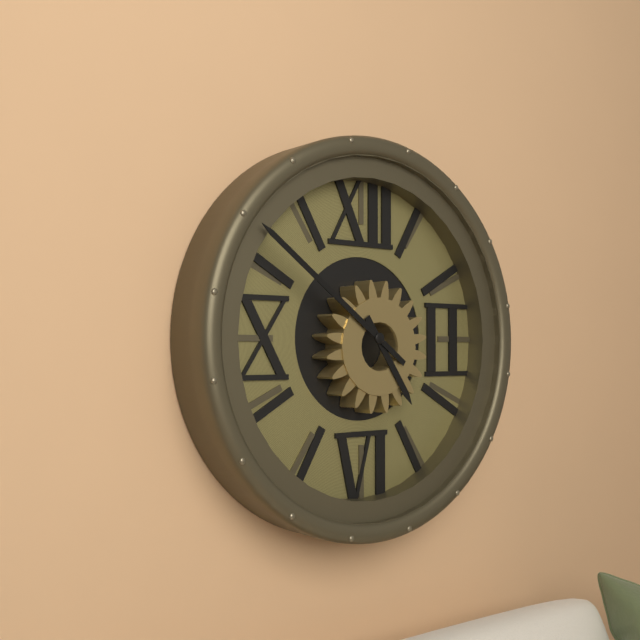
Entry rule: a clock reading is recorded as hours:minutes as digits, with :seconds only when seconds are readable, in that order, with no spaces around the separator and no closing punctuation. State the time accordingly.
4:51
